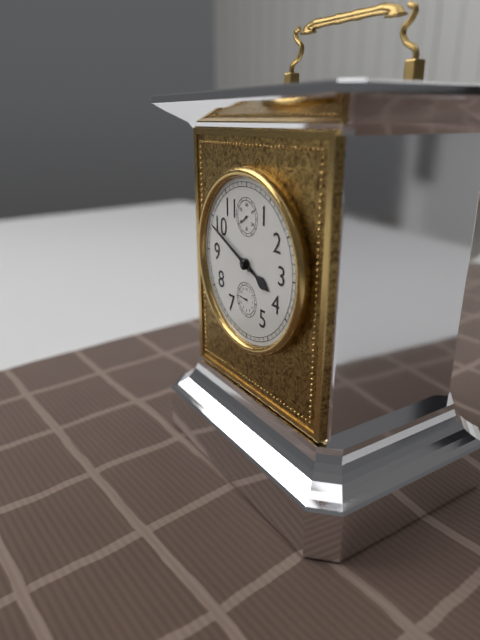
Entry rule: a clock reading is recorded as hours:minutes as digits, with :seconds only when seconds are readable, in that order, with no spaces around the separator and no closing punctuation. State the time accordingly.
3:49
